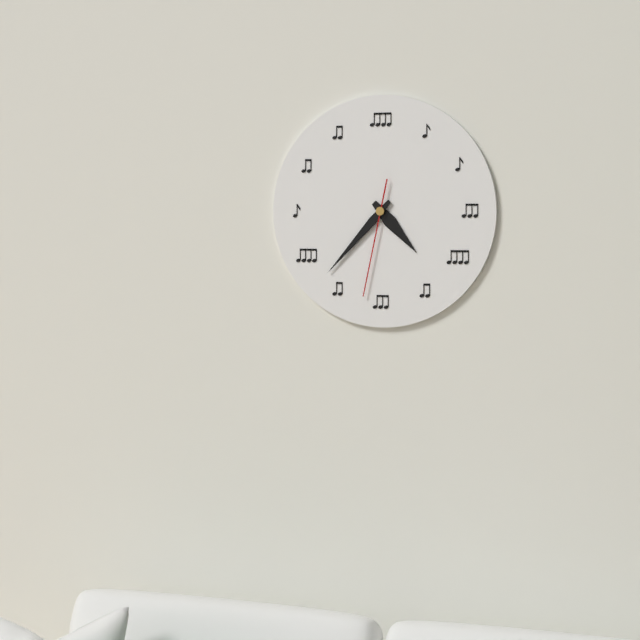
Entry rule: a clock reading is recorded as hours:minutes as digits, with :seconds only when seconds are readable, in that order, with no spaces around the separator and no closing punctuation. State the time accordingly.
4:37:32
